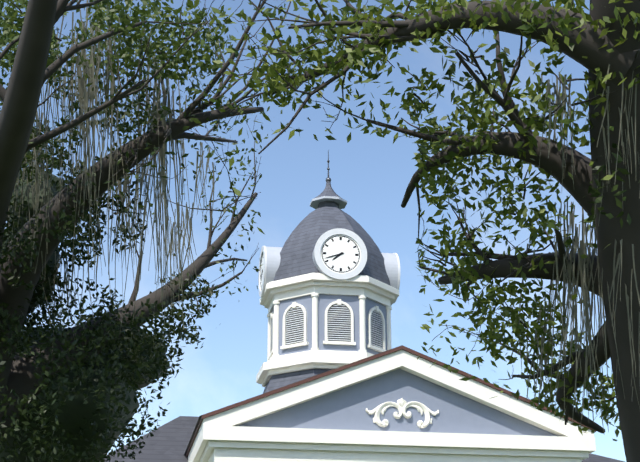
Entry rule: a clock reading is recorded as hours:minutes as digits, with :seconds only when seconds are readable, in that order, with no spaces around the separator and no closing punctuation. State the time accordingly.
7:42
